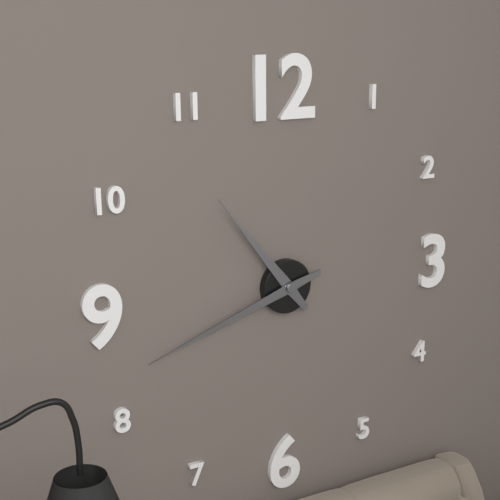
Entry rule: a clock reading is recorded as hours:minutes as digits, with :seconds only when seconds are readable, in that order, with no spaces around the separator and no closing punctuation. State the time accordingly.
10:42
